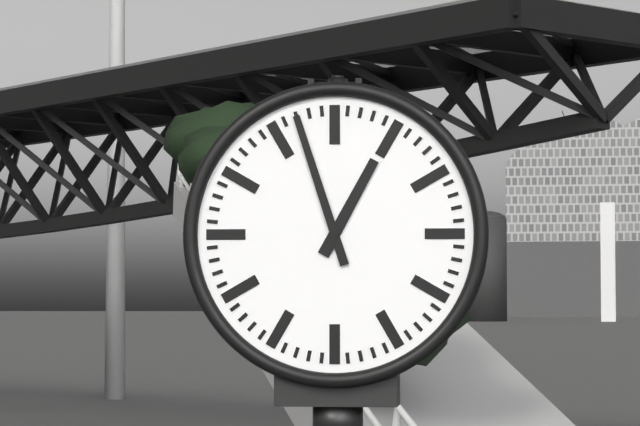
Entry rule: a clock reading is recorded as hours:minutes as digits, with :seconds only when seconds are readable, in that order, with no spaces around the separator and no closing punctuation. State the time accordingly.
12:57
